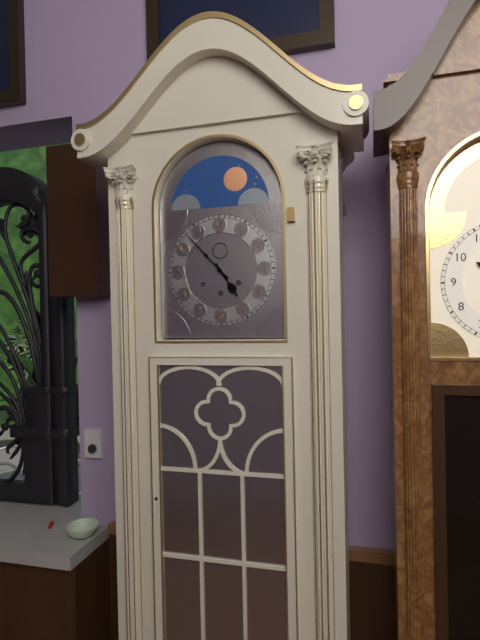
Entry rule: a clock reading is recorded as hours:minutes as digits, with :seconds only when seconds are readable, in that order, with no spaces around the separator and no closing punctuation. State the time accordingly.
4:53
